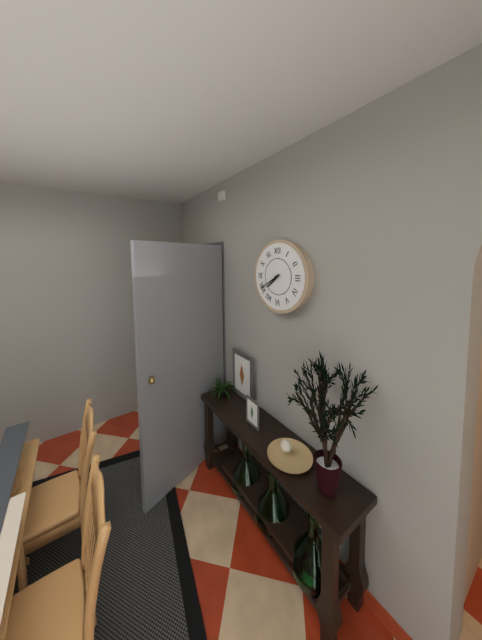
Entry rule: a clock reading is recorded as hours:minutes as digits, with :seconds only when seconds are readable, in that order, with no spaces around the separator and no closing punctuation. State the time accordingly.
7:40
